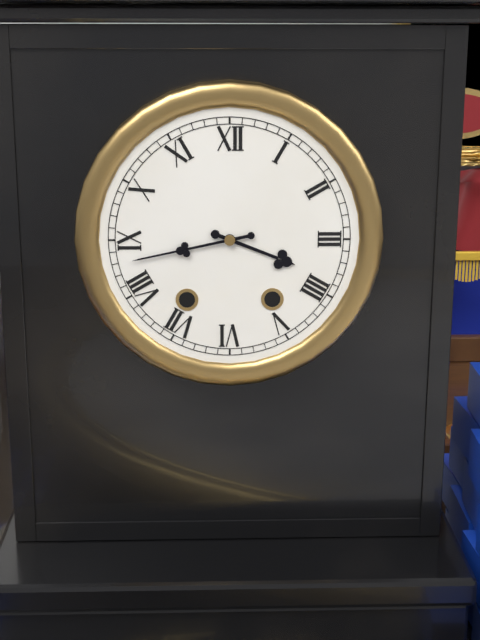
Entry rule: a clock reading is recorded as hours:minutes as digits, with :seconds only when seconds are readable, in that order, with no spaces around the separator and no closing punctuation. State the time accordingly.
3:43
